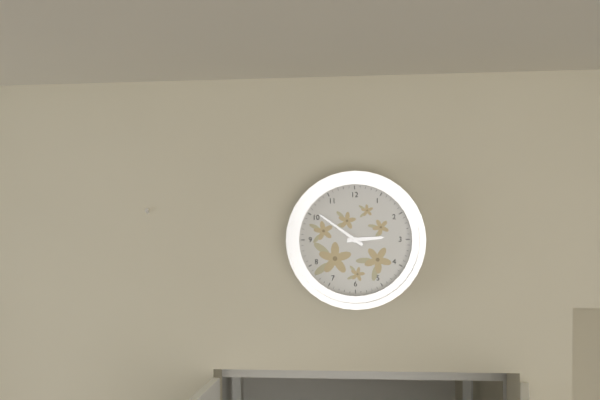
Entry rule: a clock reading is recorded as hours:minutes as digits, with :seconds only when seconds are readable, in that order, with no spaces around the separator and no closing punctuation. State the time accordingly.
2:51
